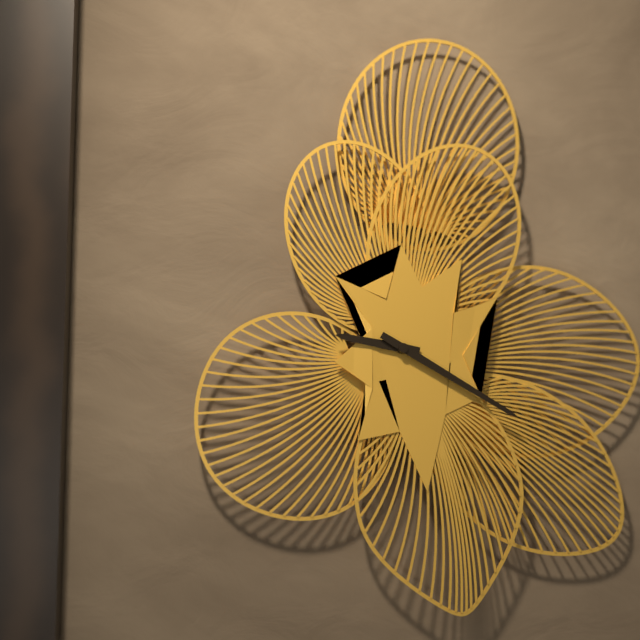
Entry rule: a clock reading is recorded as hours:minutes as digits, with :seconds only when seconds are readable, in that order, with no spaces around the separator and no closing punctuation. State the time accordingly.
9:20
